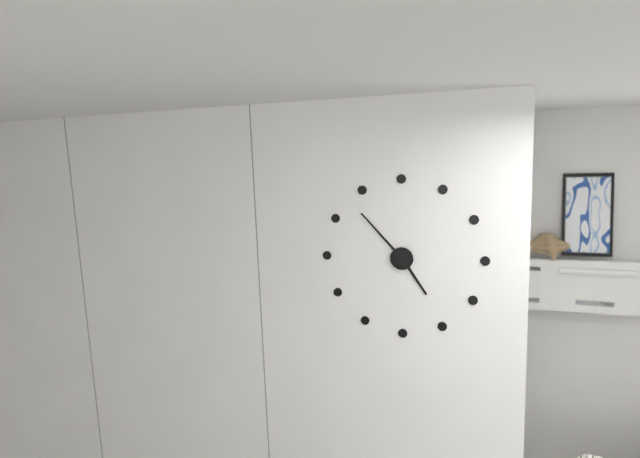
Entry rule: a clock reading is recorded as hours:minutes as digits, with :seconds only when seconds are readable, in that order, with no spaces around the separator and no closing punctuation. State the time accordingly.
4:53
